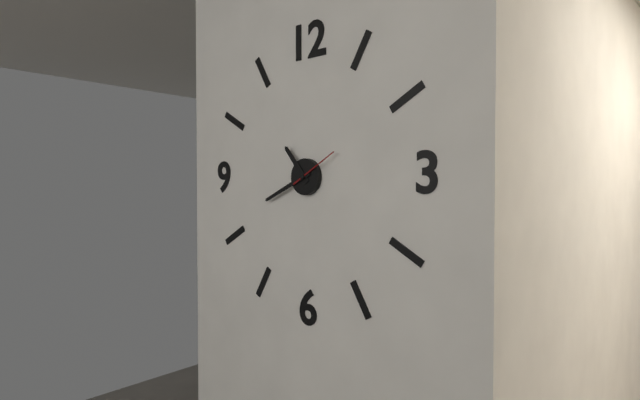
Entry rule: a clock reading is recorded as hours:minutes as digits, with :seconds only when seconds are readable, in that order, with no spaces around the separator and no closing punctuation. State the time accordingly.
10:41
